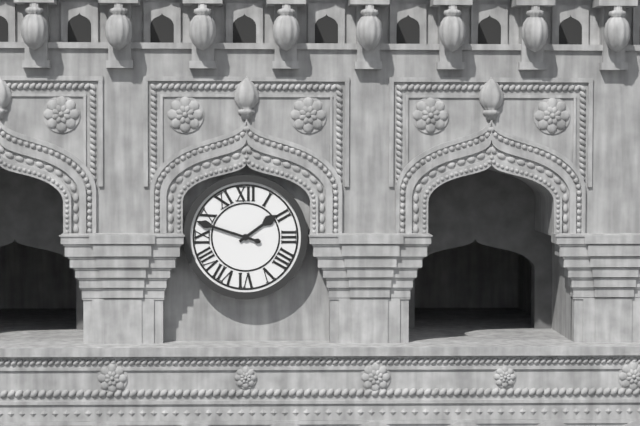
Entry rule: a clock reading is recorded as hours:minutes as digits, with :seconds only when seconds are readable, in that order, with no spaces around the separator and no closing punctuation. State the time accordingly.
1:48
